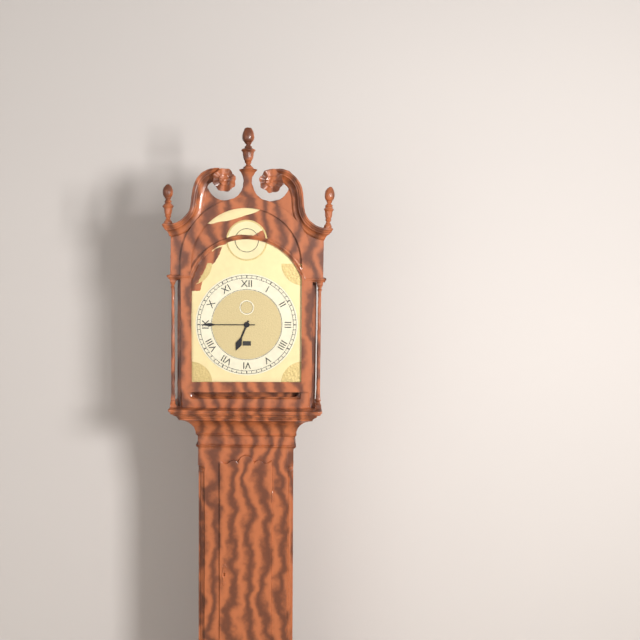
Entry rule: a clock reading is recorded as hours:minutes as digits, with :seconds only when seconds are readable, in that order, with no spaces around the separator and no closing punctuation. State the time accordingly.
6:45
